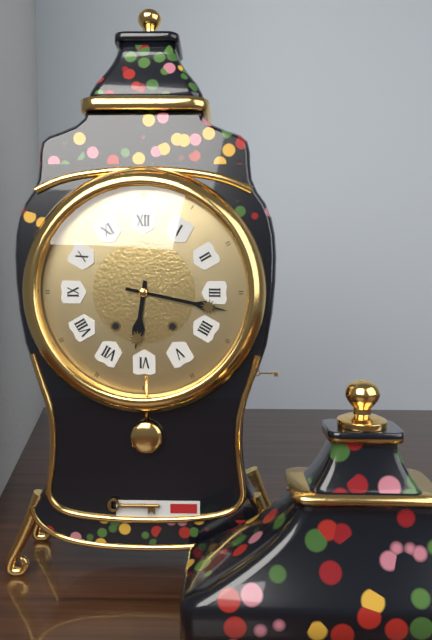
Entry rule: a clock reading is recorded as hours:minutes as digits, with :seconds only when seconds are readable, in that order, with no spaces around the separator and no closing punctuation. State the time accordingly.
6:17
